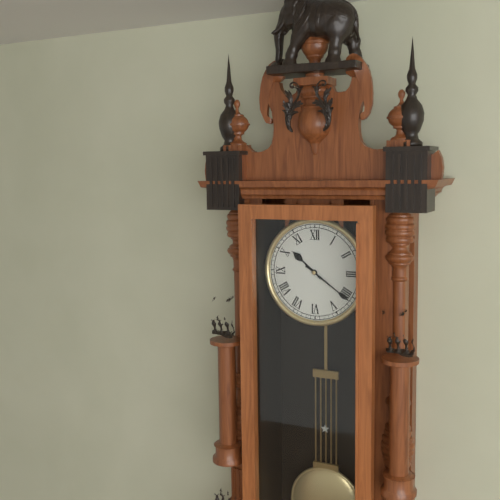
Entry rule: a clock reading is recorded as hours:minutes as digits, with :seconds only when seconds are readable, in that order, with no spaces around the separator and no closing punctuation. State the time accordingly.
10:21
